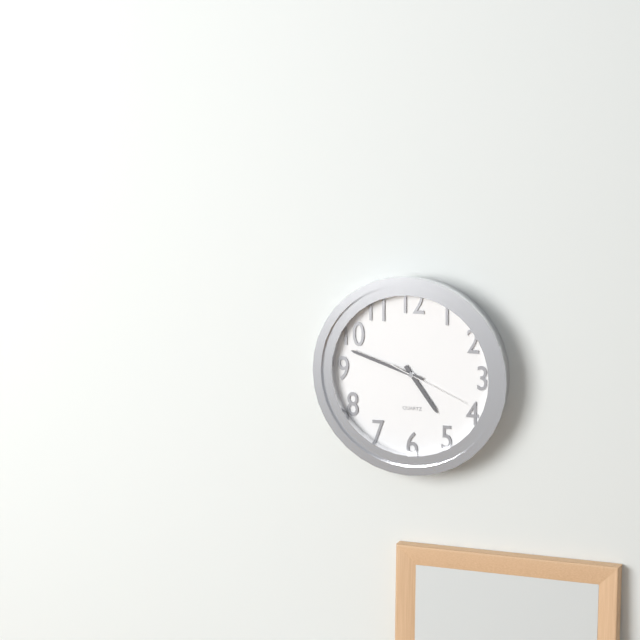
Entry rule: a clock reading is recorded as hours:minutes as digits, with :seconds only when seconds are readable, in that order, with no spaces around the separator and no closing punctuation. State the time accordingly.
4:48:19
